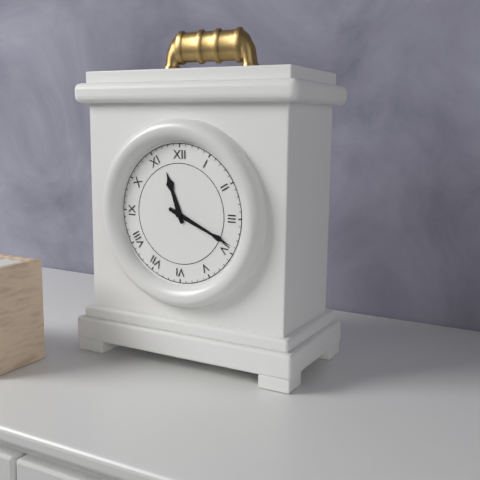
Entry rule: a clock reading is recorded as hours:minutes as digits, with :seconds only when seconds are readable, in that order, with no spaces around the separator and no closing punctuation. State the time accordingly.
11:19
